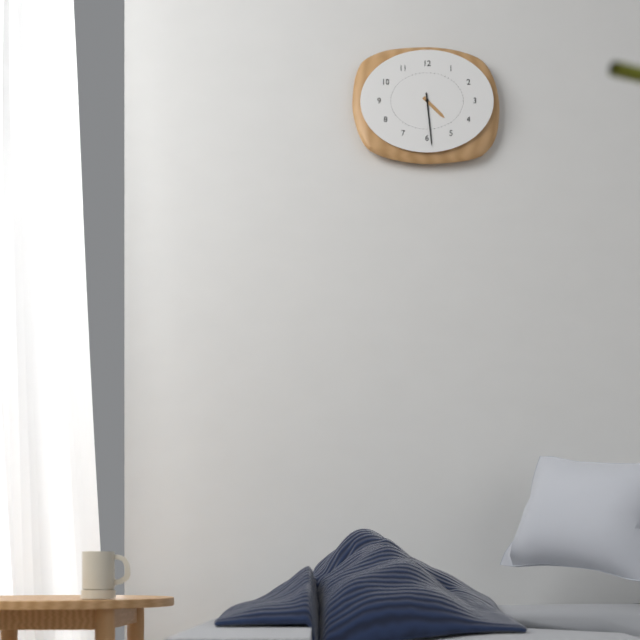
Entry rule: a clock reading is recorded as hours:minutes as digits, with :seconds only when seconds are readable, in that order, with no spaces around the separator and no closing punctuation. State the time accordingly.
4:29
